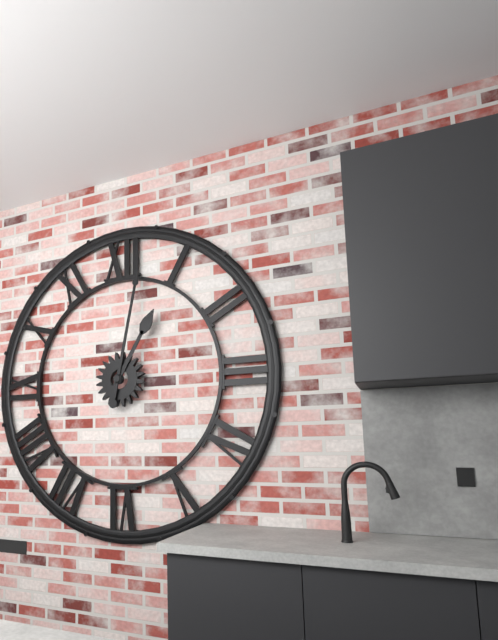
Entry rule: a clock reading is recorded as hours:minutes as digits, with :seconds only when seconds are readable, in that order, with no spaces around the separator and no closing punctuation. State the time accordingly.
1:02
